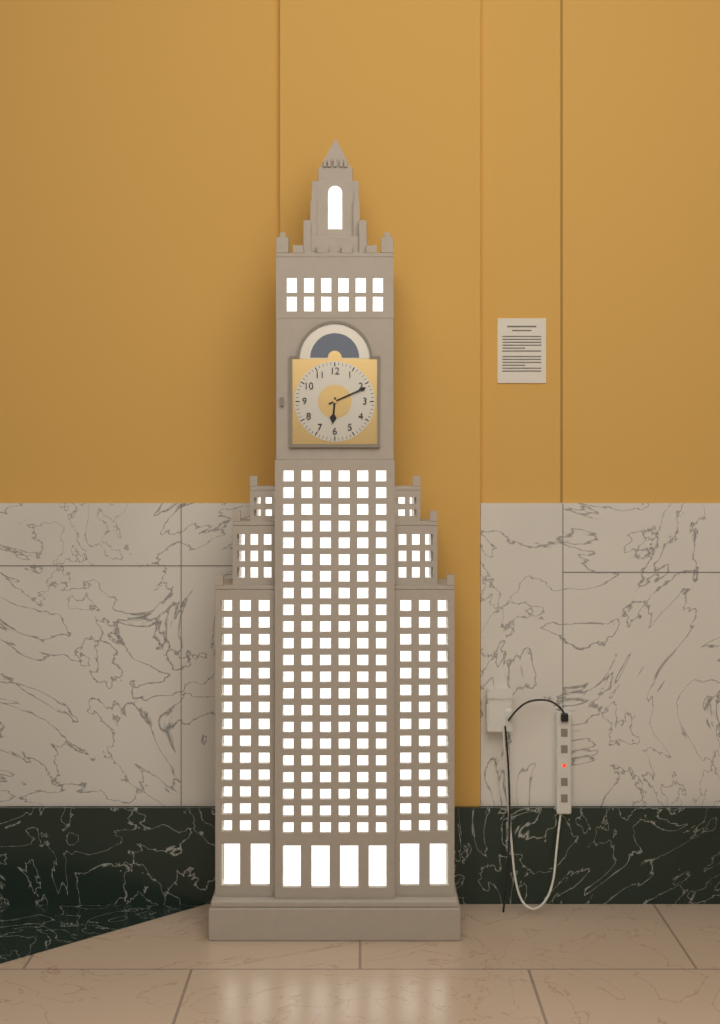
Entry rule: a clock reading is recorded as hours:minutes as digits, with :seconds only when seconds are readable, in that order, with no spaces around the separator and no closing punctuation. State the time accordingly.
6:11
